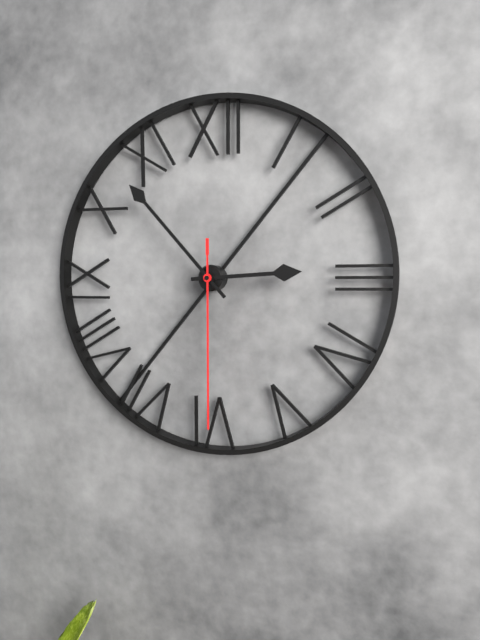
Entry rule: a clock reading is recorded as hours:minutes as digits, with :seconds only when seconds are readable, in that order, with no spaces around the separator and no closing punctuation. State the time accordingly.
2:53:30
